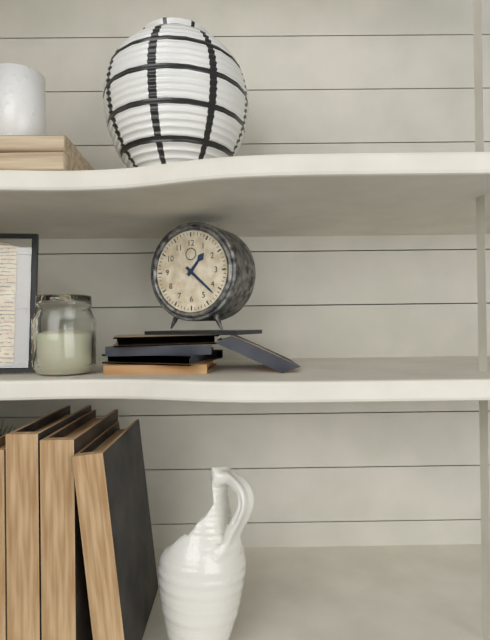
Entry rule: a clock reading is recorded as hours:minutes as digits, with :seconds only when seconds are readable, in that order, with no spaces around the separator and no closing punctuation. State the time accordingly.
1:22
